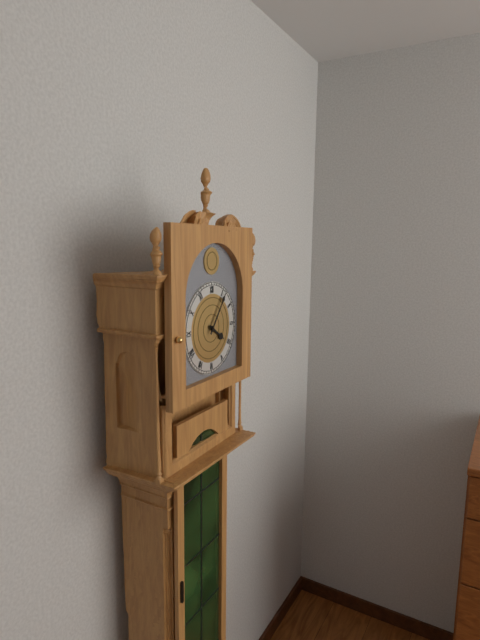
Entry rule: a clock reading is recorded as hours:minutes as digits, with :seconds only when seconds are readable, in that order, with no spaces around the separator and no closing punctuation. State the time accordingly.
4:06
